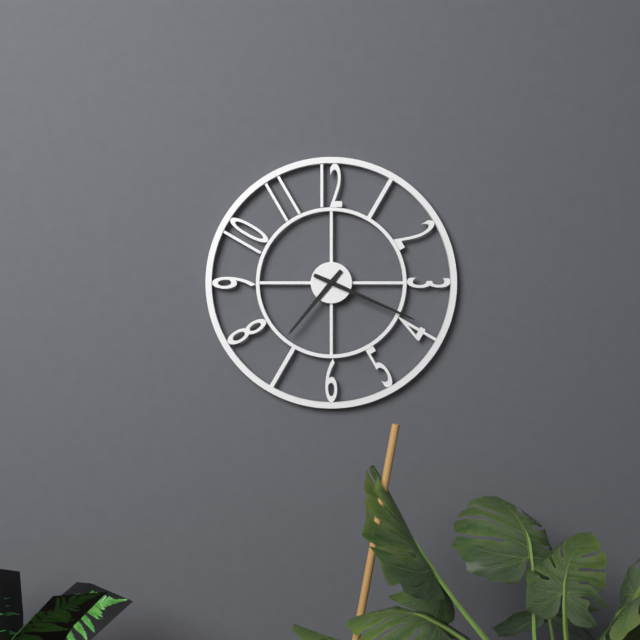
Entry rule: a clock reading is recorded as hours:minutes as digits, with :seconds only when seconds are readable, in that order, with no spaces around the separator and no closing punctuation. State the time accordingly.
7:19
